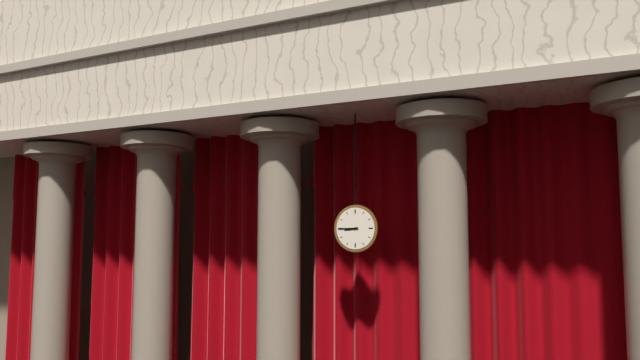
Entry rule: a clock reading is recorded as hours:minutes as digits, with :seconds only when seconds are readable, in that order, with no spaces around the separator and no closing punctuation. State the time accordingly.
8:45
